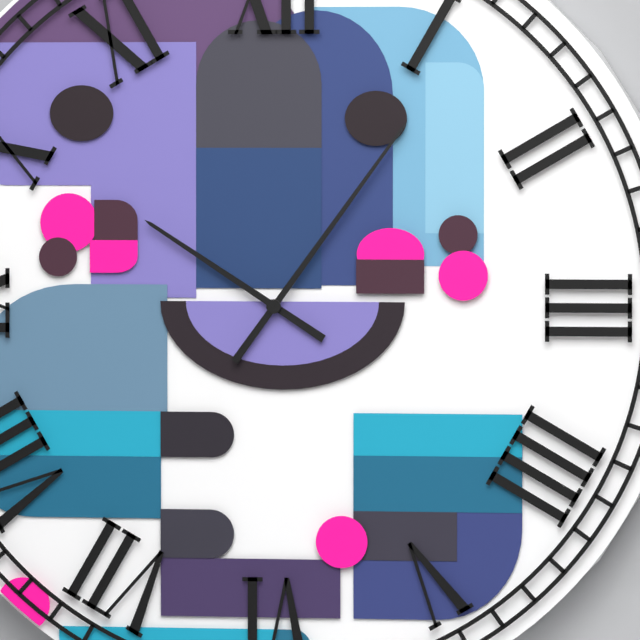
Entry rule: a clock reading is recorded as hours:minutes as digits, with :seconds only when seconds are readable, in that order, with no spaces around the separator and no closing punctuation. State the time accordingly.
10:06
